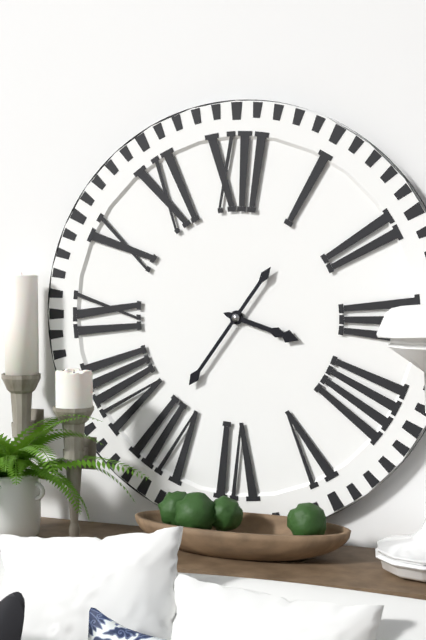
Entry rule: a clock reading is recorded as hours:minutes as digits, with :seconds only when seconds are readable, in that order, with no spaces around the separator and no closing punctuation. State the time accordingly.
3:36
